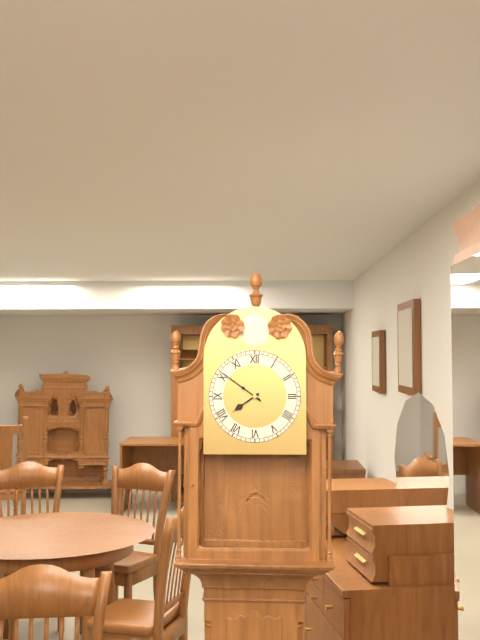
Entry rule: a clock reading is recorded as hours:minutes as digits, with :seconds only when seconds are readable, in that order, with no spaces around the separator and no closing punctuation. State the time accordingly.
7:51
